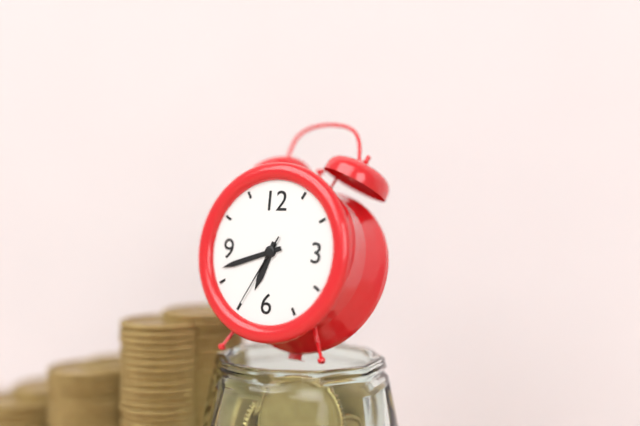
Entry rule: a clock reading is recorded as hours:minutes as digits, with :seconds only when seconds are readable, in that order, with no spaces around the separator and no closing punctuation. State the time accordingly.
6:42:35
